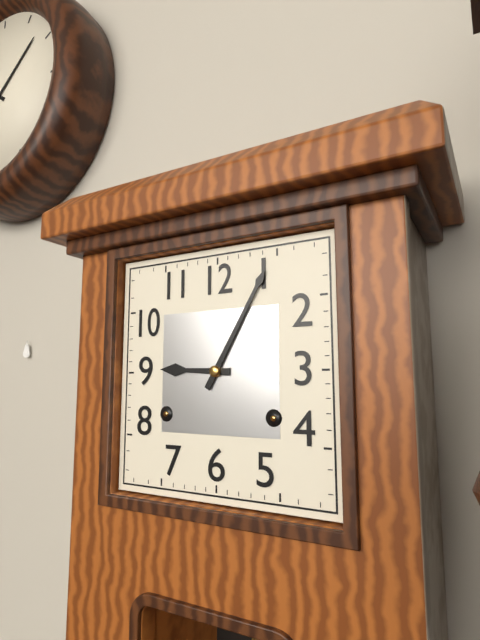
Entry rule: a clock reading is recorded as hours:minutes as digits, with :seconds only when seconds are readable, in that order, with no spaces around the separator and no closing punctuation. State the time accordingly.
9:05
